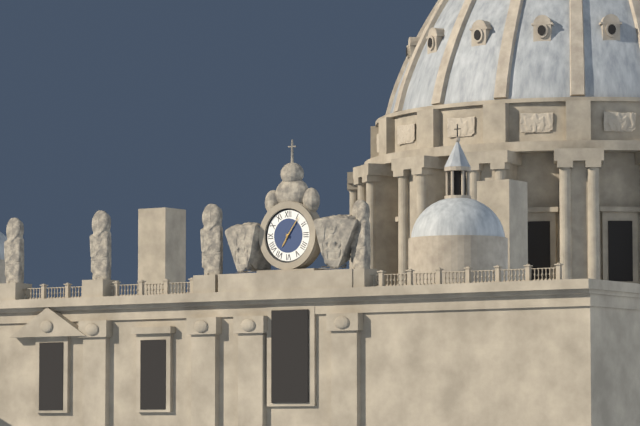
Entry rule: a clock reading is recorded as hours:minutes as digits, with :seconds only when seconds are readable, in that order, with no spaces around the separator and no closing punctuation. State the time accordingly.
7:06
